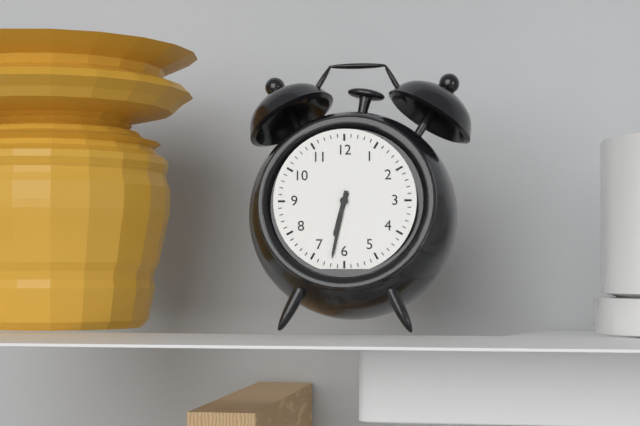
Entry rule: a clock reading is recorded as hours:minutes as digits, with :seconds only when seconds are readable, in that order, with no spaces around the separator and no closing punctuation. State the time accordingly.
6:32
